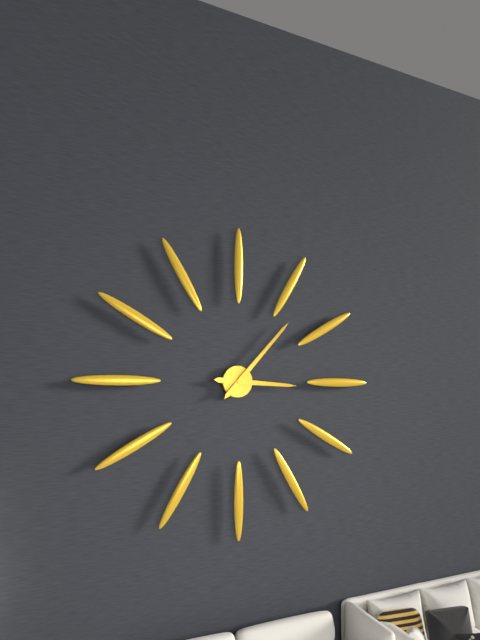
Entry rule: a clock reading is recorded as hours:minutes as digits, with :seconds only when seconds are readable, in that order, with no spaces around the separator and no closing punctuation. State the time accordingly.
3:07
